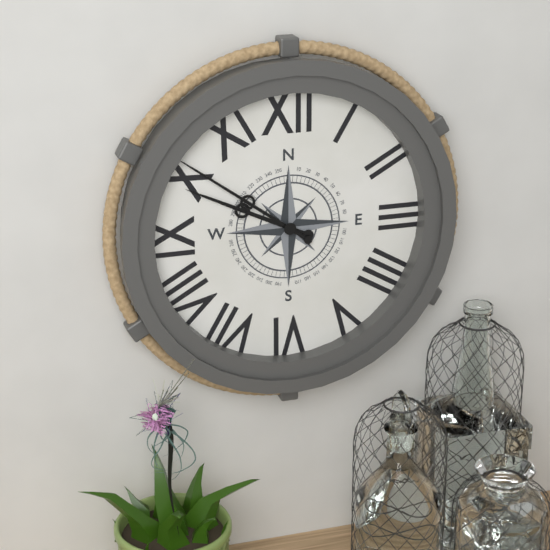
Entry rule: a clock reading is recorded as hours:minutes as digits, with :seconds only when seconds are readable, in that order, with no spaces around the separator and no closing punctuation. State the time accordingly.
9:51
